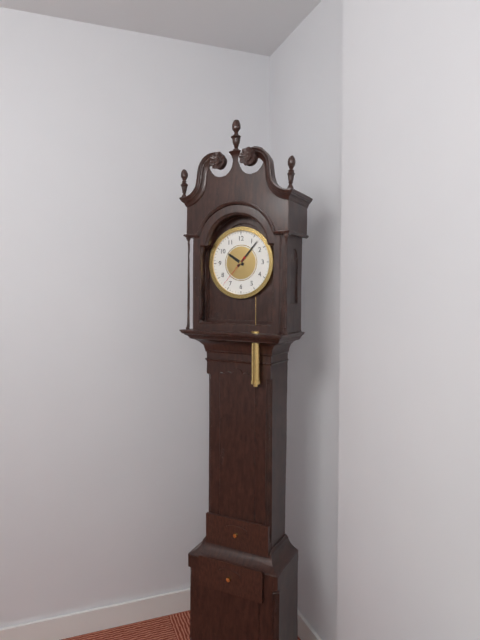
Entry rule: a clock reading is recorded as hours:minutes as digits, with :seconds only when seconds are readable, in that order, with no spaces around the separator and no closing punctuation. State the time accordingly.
10:07
